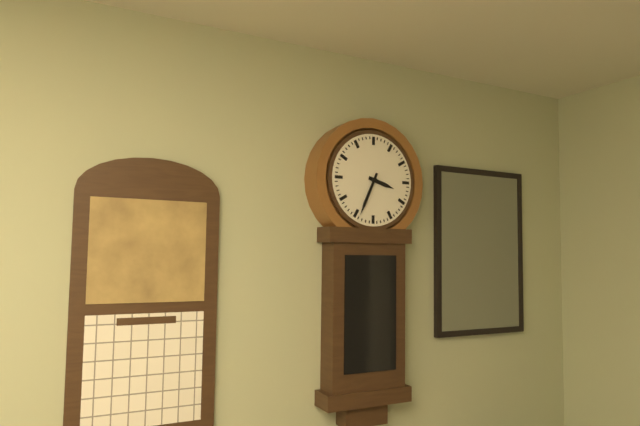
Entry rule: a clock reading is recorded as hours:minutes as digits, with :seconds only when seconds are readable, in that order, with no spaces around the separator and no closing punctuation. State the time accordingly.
3:34
